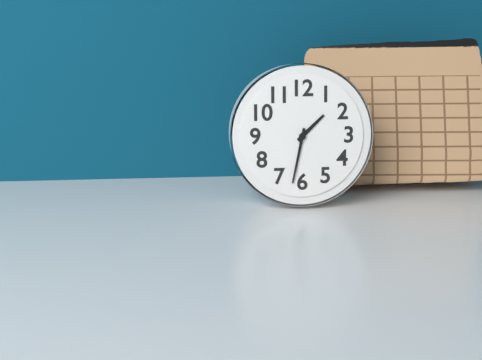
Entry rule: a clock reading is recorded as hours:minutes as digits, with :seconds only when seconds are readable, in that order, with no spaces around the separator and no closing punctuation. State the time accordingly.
1:32
